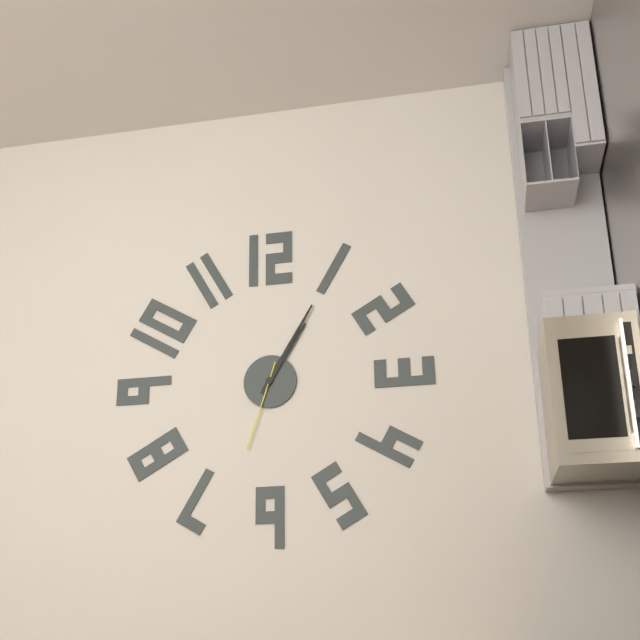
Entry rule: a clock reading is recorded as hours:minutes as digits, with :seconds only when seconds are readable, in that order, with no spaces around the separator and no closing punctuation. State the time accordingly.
1:05:33
